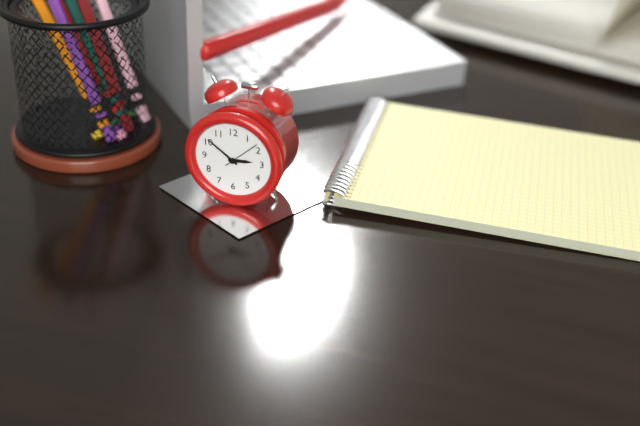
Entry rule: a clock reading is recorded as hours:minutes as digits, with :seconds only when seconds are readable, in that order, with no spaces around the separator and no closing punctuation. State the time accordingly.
2:51
